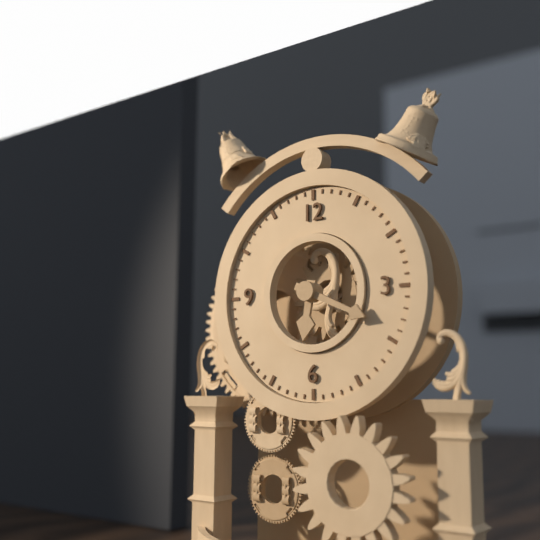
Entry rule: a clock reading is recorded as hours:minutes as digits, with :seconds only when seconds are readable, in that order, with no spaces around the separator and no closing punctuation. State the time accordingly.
6:19
